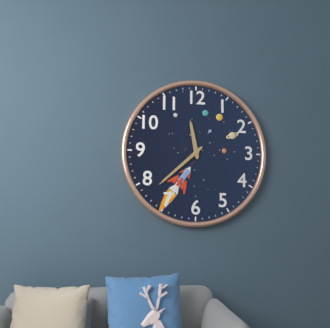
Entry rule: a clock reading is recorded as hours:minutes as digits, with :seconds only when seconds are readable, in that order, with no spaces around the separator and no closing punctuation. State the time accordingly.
11:38
